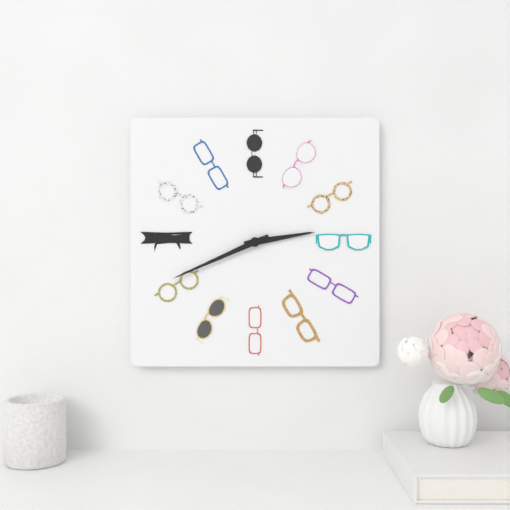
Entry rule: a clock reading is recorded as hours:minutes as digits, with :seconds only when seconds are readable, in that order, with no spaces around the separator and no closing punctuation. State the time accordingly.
2:41
